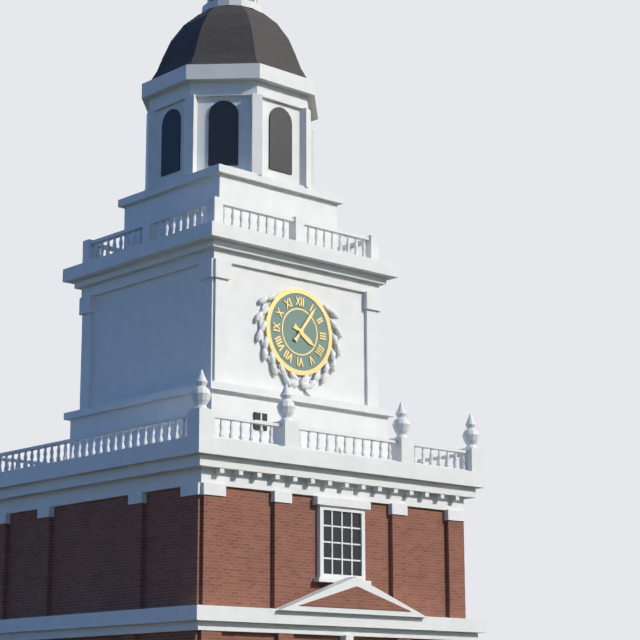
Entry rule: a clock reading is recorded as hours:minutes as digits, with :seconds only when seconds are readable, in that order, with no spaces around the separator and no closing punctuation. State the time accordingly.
4:06
